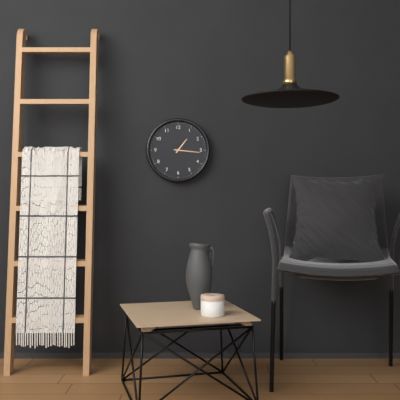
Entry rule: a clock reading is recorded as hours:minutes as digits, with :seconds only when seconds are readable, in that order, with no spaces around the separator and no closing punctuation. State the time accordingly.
1:16
